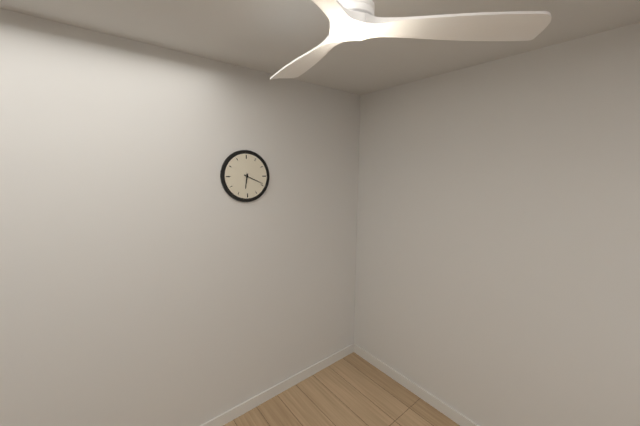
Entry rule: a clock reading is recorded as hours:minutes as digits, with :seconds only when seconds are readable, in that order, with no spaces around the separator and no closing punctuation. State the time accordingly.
6:19
